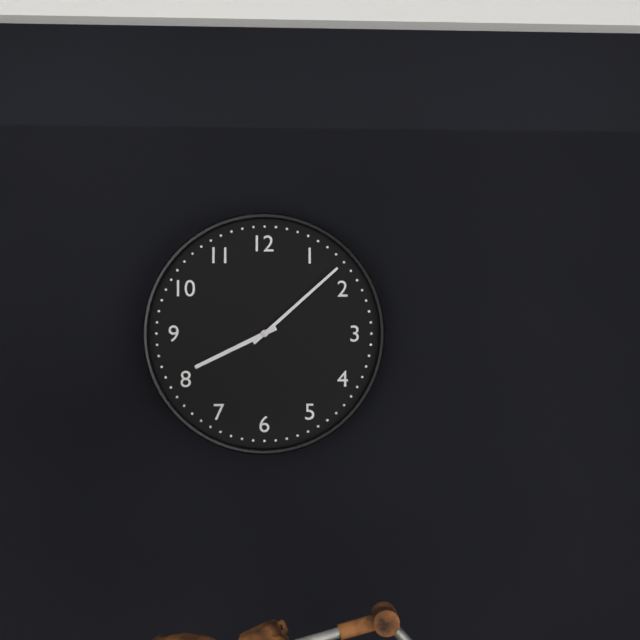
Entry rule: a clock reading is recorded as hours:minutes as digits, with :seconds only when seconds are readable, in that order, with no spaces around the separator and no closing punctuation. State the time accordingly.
8:08
